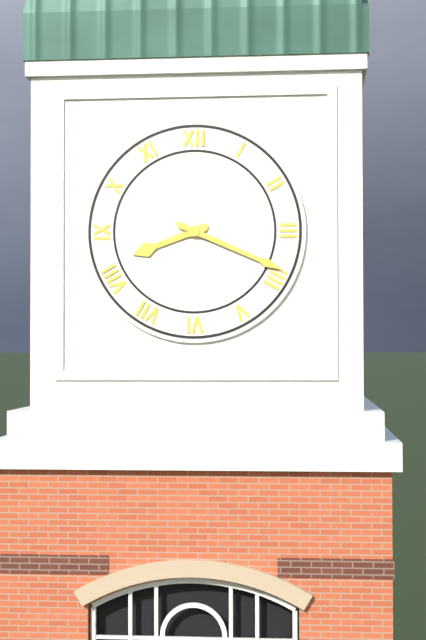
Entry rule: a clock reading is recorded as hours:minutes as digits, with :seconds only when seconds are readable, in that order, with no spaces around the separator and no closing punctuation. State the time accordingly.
8:19
